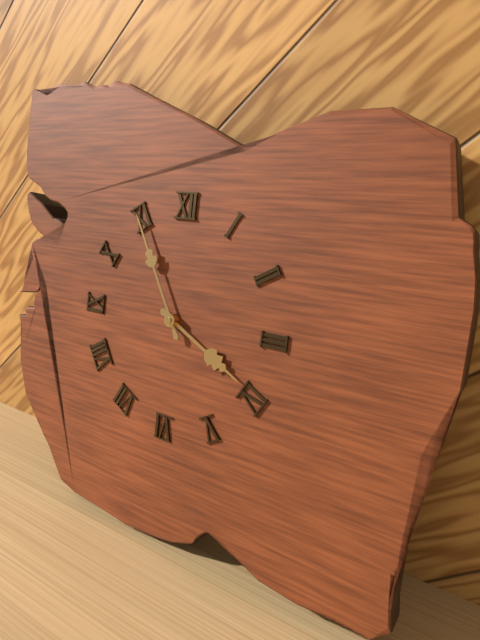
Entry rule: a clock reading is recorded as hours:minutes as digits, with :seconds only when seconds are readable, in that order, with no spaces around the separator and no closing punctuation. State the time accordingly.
3:55
